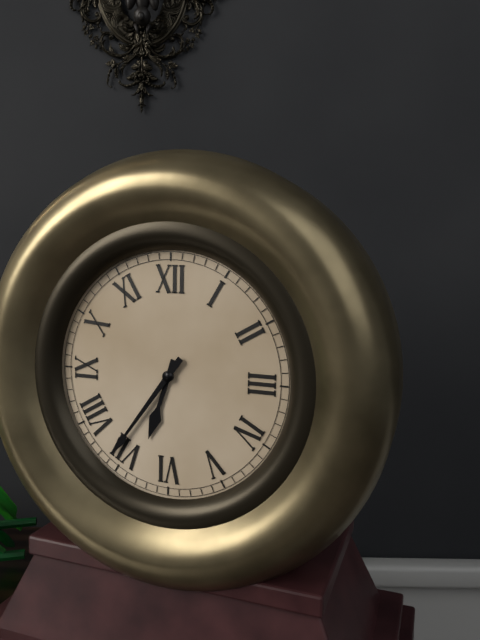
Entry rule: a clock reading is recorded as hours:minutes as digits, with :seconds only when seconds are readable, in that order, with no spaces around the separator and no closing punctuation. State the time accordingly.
6:36
